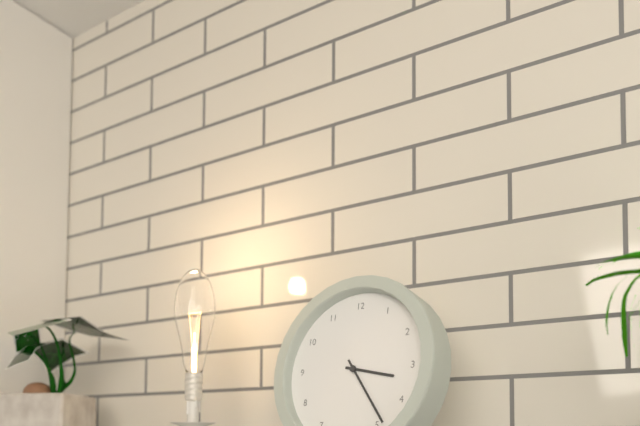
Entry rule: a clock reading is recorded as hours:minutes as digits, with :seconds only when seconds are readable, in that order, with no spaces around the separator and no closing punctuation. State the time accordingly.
3:24
